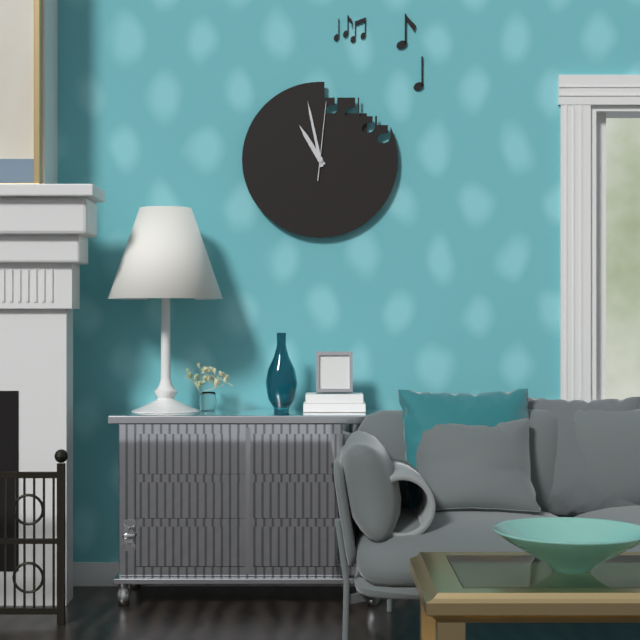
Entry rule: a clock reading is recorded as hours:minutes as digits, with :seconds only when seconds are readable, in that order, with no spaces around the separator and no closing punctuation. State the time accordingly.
10:58:01
